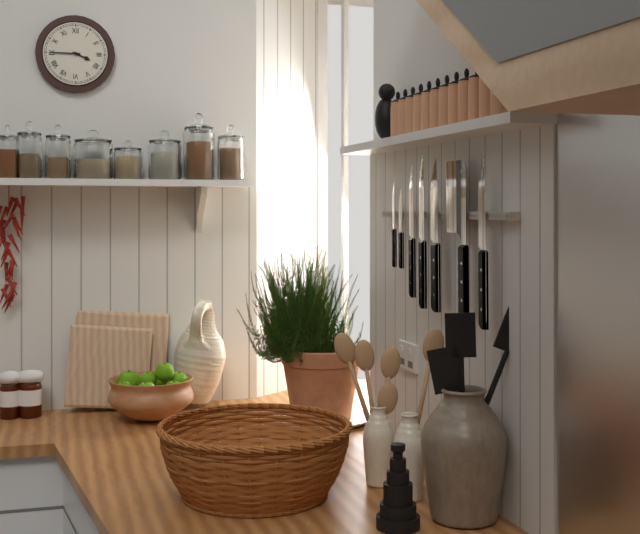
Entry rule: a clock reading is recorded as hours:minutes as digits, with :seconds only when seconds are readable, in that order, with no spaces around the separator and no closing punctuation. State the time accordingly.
3:45
